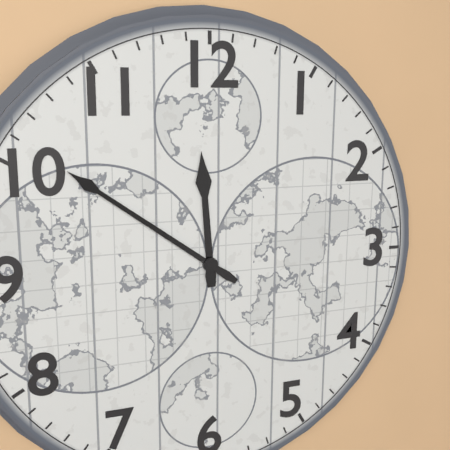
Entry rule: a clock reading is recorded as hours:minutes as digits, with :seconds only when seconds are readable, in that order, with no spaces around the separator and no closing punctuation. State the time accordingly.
11:51
